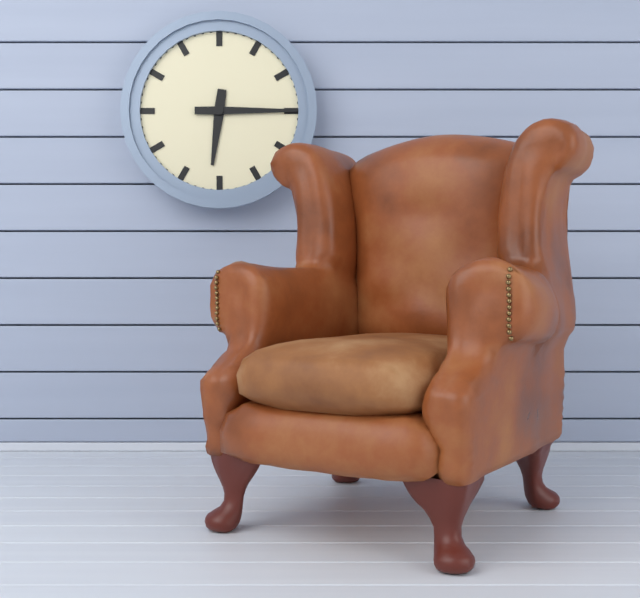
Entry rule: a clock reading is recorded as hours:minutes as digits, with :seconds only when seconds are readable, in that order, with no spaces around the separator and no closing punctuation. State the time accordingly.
6:15
